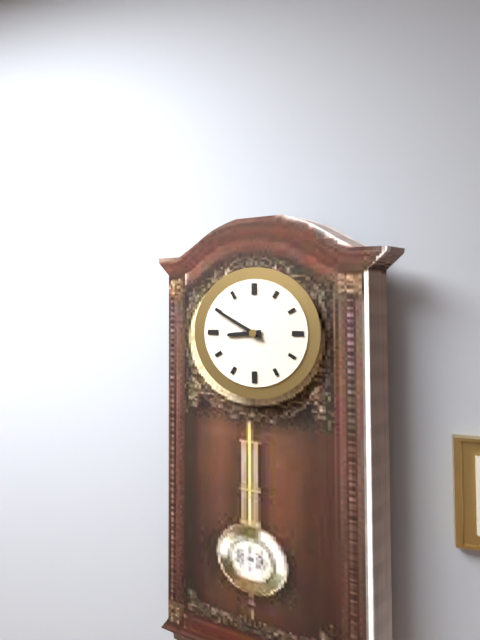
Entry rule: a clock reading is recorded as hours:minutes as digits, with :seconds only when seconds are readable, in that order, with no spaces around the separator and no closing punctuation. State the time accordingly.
8:50
